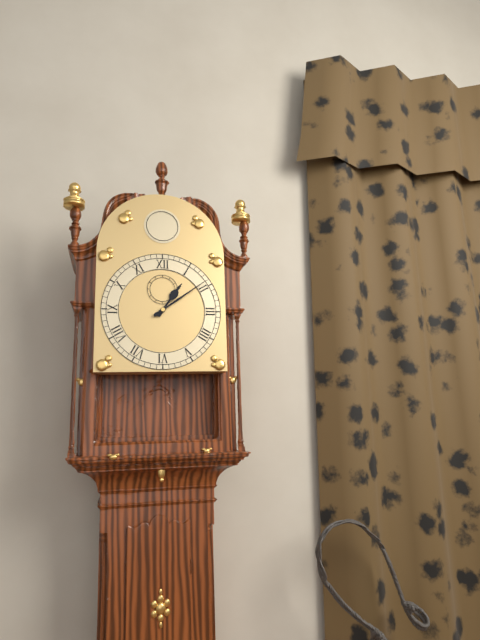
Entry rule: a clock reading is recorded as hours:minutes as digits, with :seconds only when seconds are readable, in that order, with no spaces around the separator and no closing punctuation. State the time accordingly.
1:09
